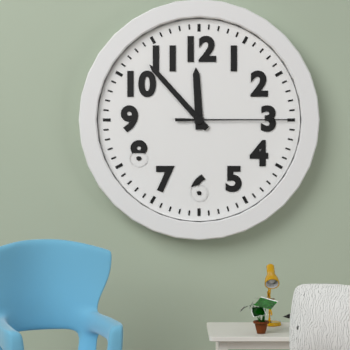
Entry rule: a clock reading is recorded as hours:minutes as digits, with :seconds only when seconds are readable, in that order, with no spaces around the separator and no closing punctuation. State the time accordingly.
11:53:15
